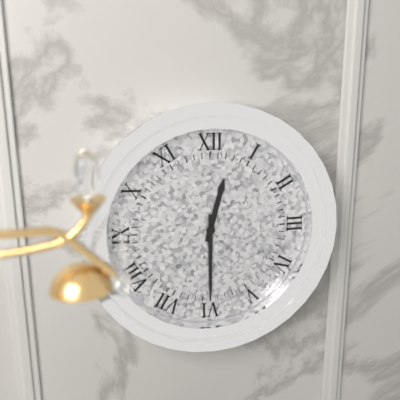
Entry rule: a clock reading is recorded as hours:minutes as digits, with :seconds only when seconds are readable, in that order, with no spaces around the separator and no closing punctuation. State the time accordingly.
12:30
